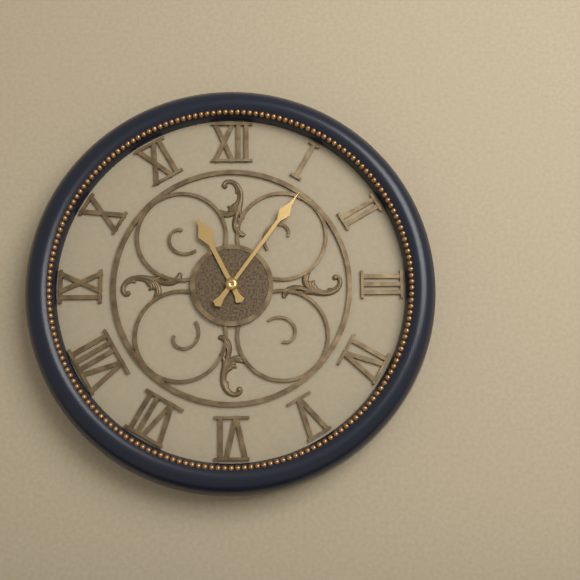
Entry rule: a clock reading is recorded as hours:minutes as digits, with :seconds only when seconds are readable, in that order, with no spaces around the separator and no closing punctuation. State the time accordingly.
11:06
